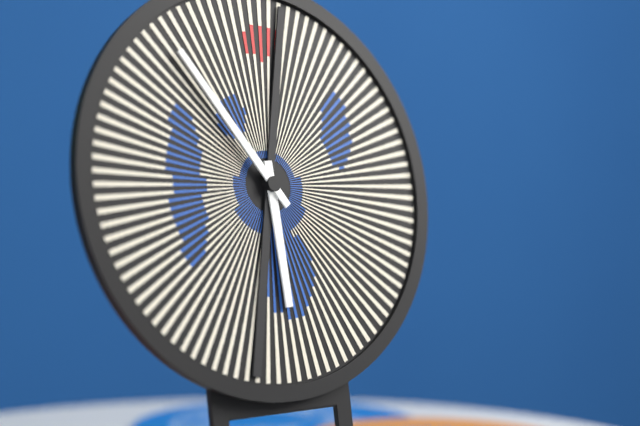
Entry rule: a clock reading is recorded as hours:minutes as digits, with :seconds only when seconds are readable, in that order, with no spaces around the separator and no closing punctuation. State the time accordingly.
5:54
